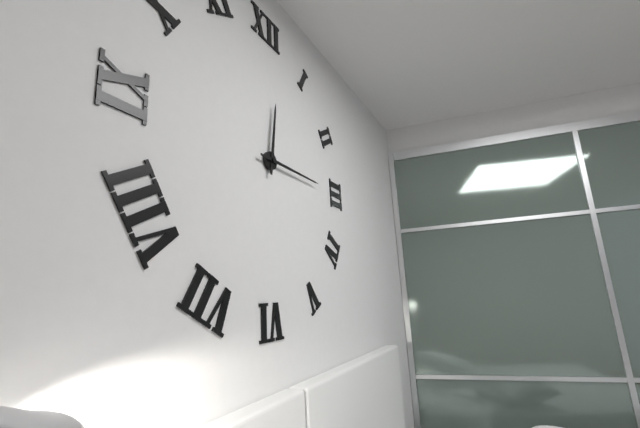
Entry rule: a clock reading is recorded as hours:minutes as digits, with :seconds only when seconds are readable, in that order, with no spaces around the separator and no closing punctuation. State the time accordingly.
12:15
